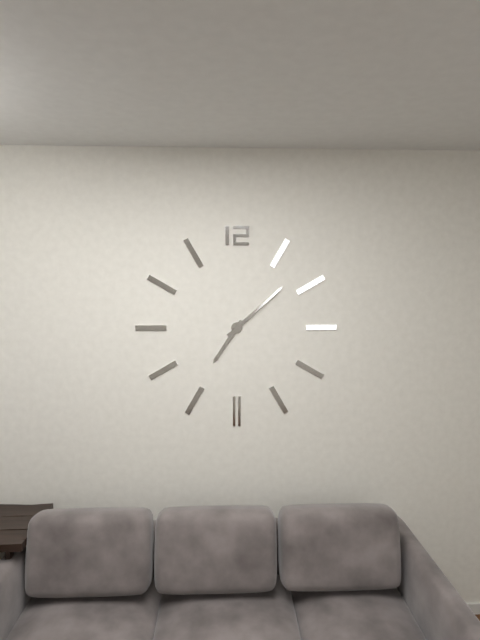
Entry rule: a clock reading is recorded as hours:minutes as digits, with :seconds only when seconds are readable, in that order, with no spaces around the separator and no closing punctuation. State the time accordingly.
7:08
